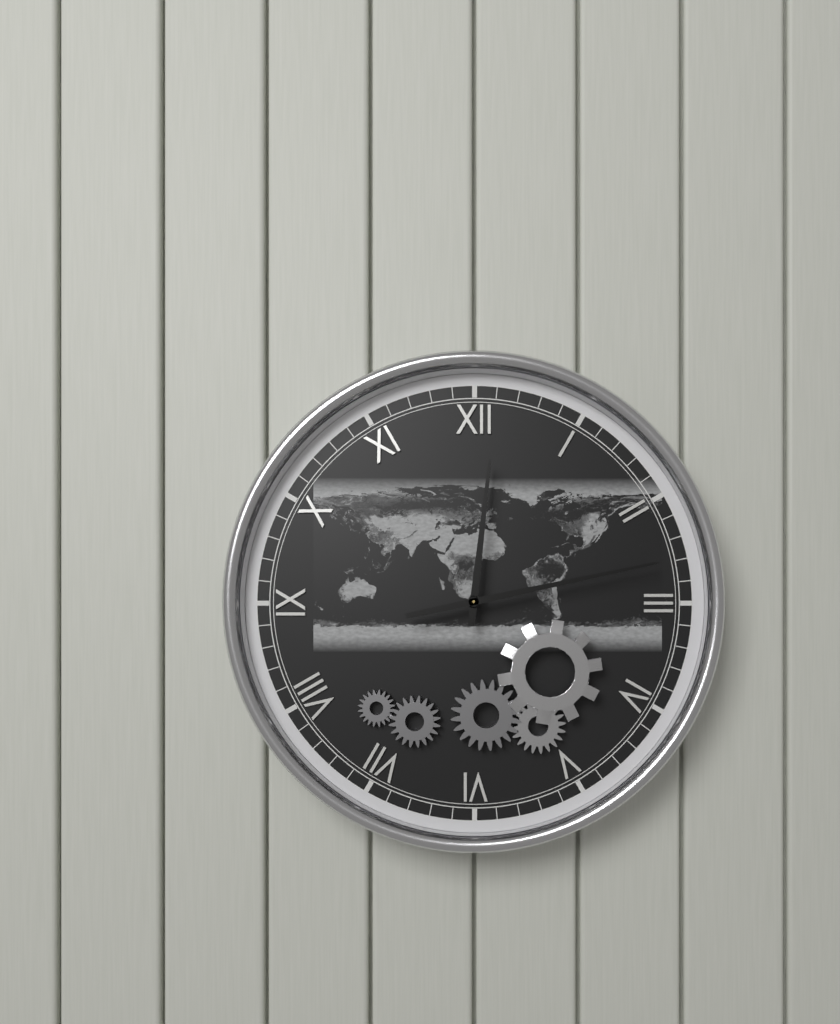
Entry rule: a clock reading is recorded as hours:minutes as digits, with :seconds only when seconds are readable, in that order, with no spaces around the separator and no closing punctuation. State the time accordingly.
12:13
